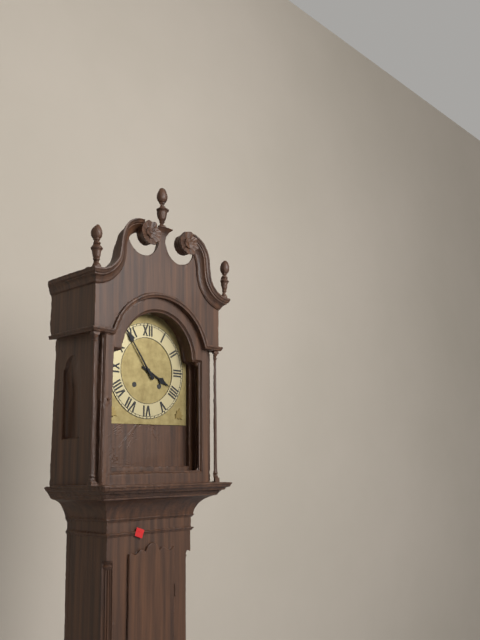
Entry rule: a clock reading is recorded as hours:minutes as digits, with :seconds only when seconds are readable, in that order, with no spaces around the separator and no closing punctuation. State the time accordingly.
3:54
